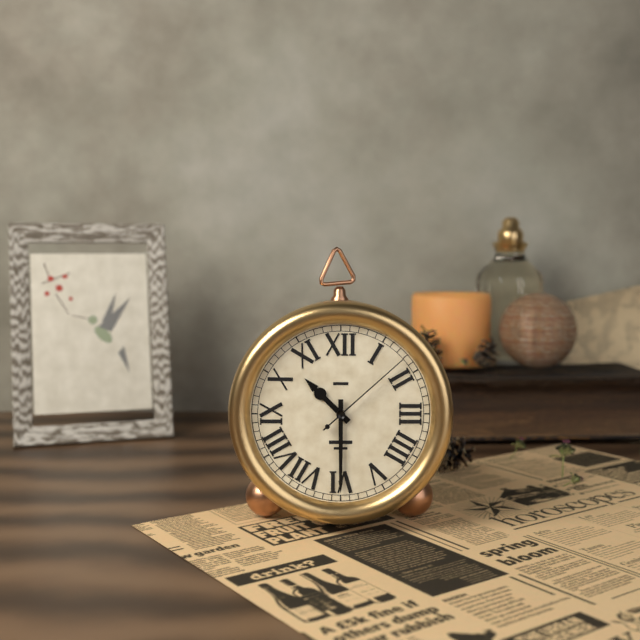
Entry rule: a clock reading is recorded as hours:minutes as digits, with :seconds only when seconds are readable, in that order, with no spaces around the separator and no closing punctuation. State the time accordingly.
10:30:08
